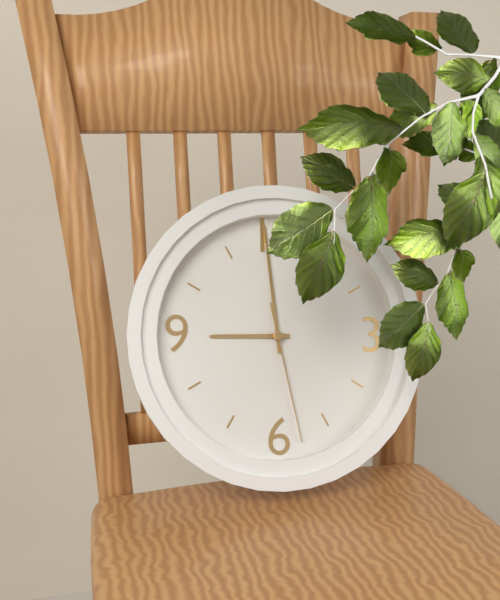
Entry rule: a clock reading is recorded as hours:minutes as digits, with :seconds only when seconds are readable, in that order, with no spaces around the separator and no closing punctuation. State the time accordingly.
8:59:28
